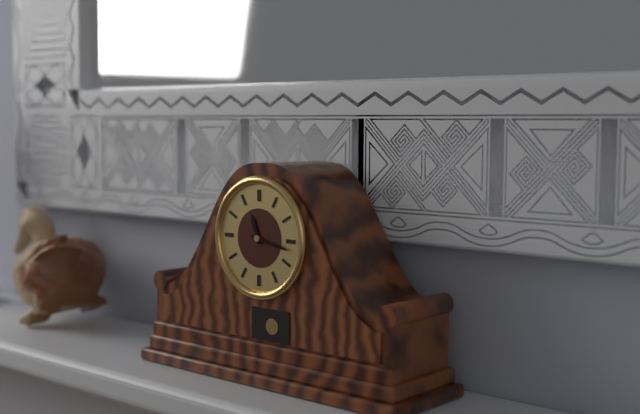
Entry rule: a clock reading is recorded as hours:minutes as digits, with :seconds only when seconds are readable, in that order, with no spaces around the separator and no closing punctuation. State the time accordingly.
11:17
